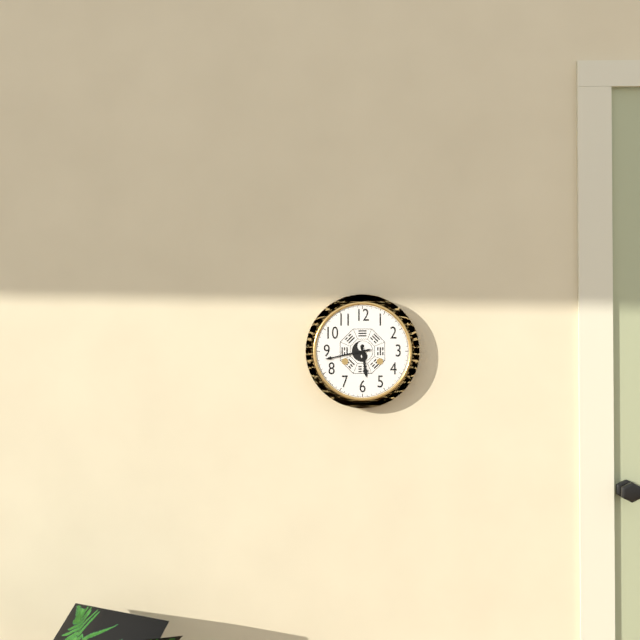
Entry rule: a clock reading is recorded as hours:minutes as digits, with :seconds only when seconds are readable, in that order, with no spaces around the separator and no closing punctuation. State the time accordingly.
5:43
